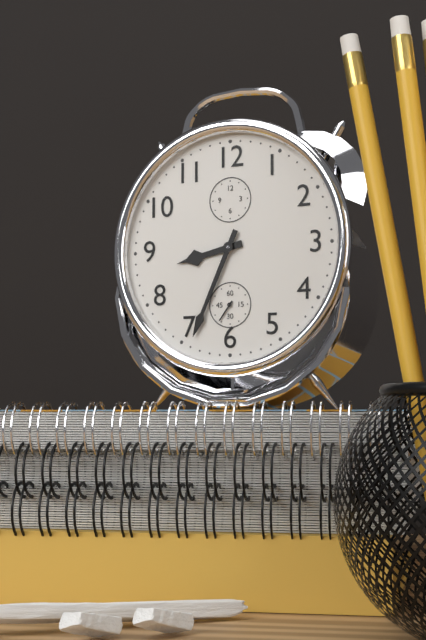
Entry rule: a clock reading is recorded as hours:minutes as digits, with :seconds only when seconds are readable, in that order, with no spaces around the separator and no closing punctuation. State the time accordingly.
8:34
